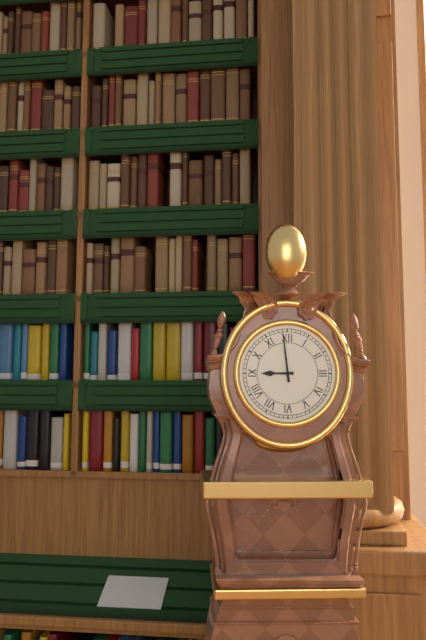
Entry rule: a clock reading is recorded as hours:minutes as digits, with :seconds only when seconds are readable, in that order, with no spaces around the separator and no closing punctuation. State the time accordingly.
8:59
